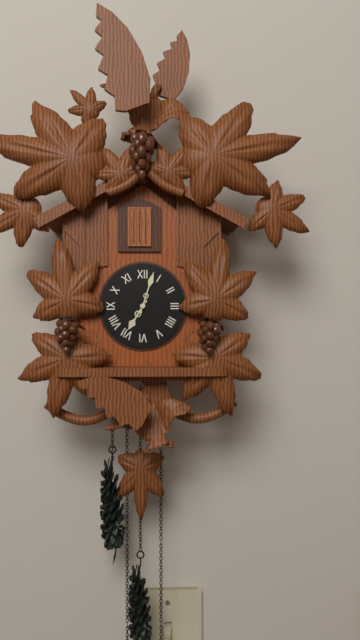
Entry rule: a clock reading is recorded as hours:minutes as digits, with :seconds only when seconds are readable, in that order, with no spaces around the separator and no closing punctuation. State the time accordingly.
7:03
